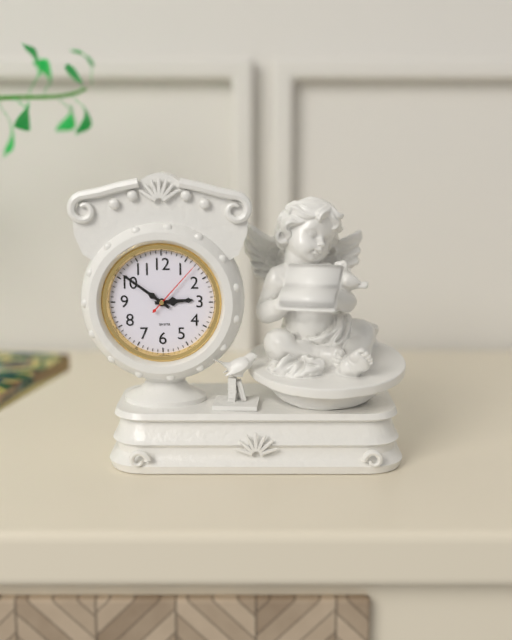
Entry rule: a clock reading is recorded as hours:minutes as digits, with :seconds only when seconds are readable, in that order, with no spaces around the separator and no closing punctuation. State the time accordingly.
2:51:07
